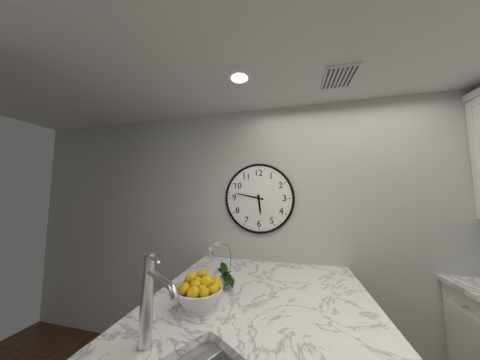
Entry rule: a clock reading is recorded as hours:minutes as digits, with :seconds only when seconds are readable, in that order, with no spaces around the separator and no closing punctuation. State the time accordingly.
5:47
